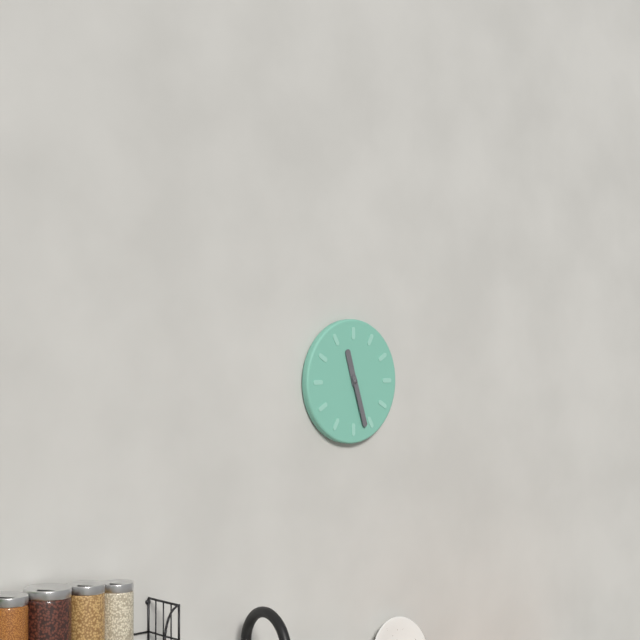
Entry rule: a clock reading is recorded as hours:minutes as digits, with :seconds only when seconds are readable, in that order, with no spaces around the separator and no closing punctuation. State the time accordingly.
11:27
